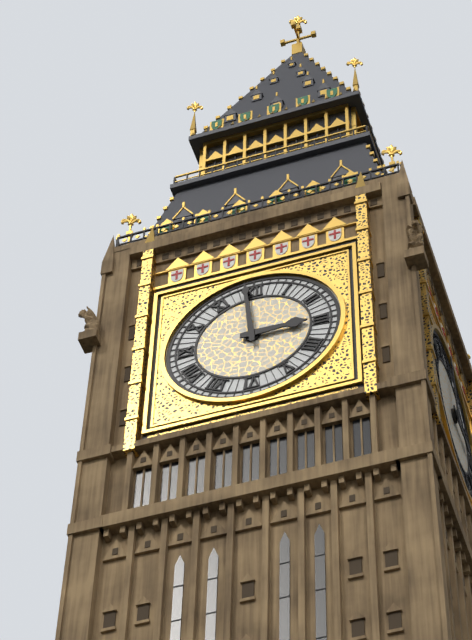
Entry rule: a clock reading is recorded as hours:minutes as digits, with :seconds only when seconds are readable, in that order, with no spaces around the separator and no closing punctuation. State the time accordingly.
2:59
